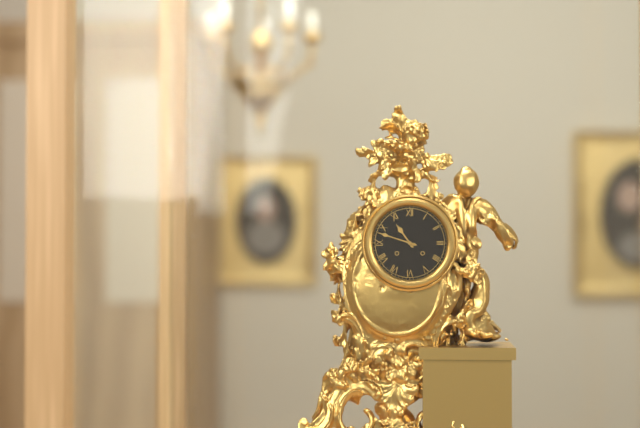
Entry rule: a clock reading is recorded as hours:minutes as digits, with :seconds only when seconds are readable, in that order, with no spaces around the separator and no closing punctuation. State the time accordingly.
10:48
